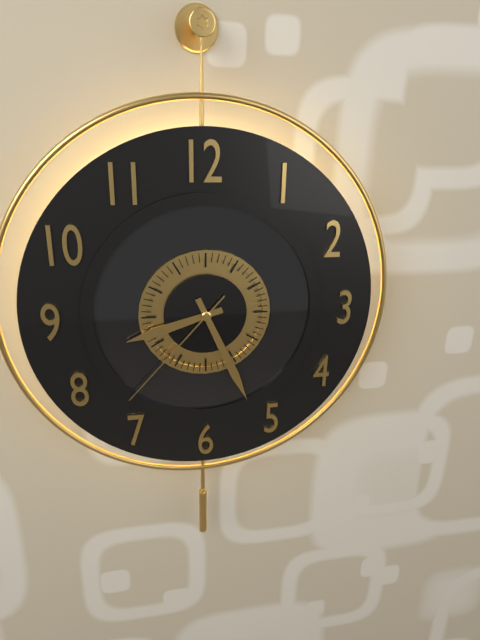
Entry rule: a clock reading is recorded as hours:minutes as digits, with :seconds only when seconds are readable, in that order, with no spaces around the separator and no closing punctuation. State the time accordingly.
8:26:37
